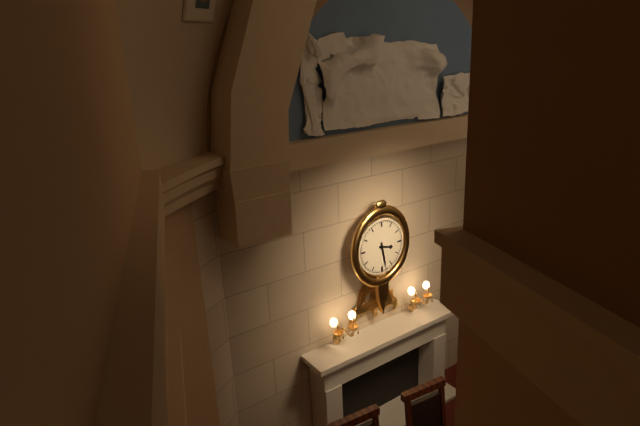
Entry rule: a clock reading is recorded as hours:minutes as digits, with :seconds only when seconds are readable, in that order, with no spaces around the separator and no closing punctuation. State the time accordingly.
3:28
